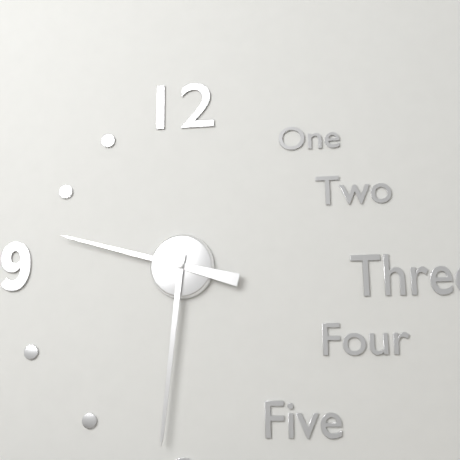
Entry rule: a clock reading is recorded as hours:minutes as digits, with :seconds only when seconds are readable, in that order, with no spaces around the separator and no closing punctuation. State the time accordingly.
9:31
